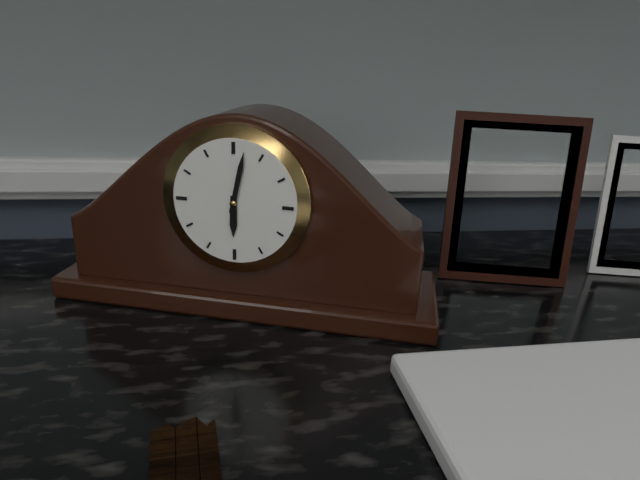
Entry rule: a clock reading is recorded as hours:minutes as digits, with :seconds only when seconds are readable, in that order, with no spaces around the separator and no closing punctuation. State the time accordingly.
6:02
